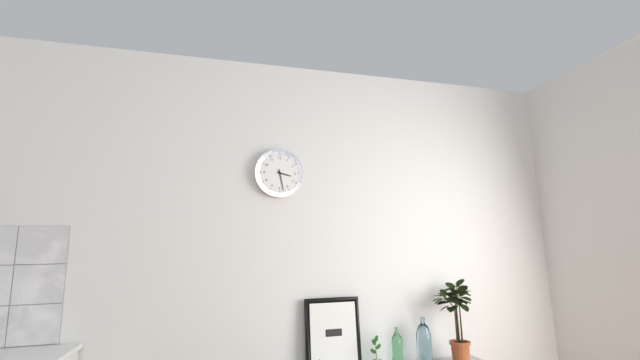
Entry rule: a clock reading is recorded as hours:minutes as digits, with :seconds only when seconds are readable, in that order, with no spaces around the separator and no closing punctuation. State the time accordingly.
3:28
